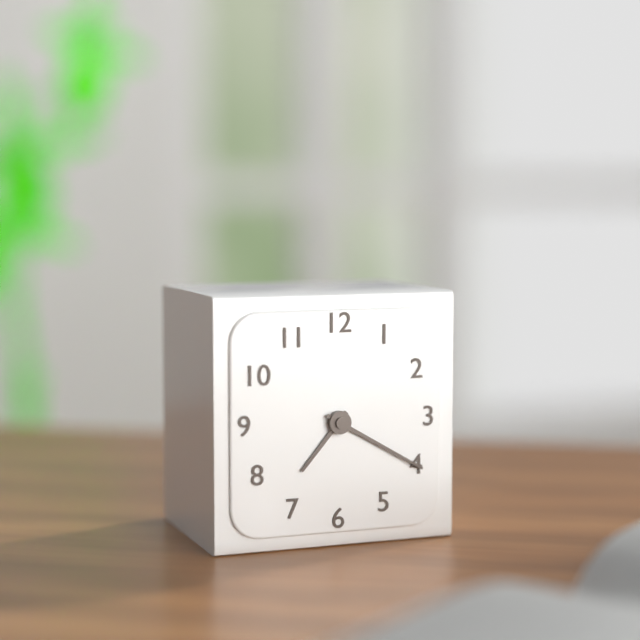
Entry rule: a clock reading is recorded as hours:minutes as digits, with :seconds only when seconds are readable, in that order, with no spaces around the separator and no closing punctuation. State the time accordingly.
7:20
